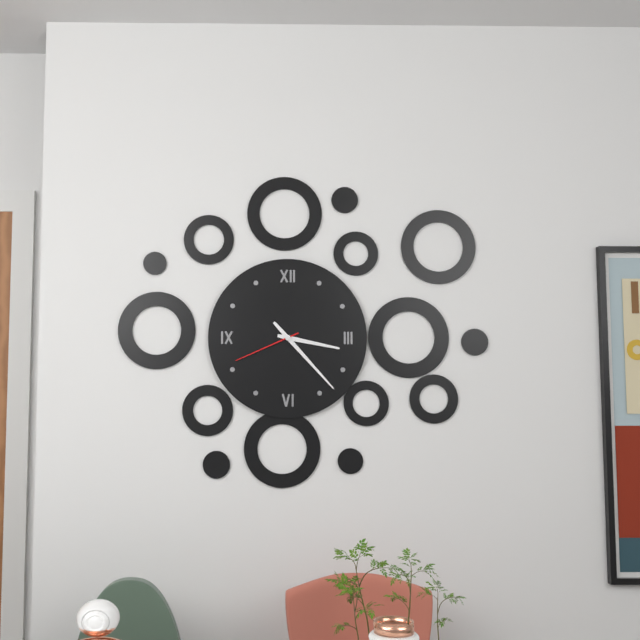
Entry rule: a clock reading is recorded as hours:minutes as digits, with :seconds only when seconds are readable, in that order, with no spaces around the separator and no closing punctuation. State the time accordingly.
3:23:41
